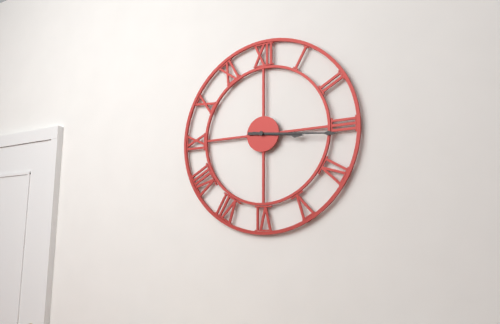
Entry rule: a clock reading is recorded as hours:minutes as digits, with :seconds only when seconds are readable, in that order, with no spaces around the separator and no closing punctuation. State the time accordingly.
3:16
